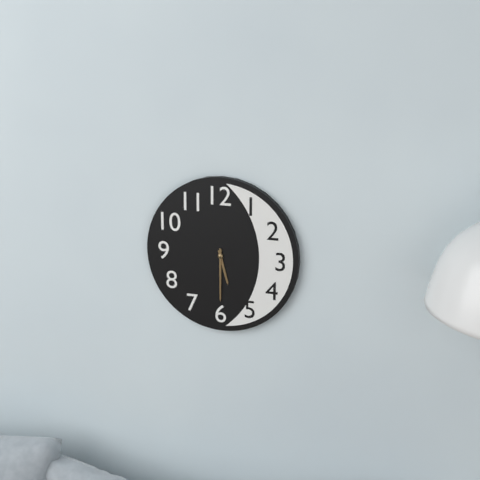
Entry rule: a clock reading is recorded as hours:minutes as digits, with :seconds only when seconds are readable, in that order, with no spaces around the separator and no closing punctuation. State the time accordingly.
5:30
